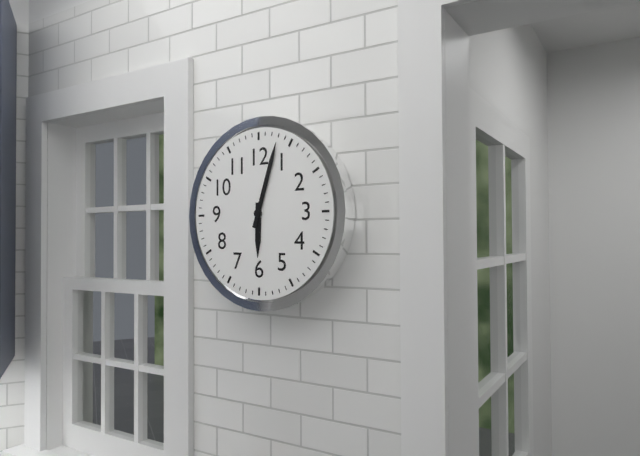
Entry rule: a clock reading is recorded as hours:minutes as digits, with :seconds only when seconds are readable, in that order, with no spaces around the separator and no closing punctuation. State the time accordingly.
6:03
